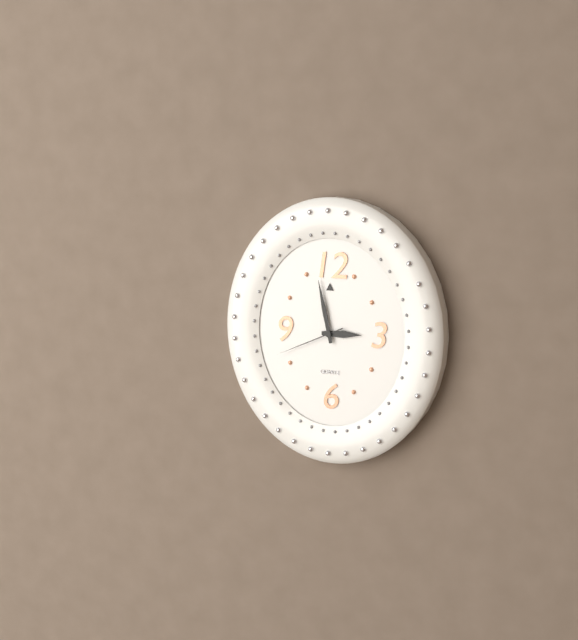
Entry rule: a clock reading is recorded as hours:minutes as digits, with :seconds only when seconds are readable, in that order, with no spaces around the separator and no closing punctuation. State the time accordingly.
2:58:41
